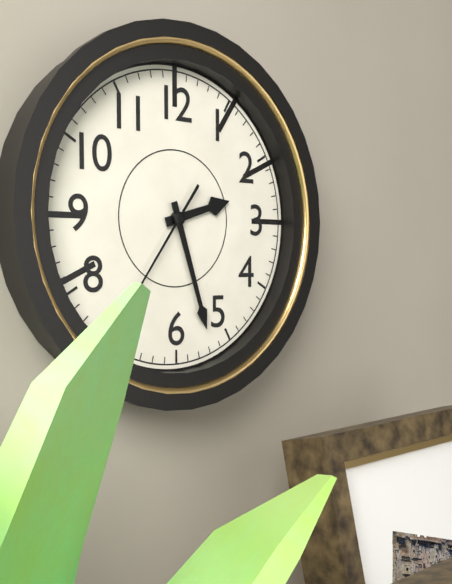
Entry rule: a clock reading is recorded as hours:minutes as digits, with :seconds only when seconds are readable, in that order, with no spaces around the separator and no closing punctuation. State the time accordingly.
2:27
